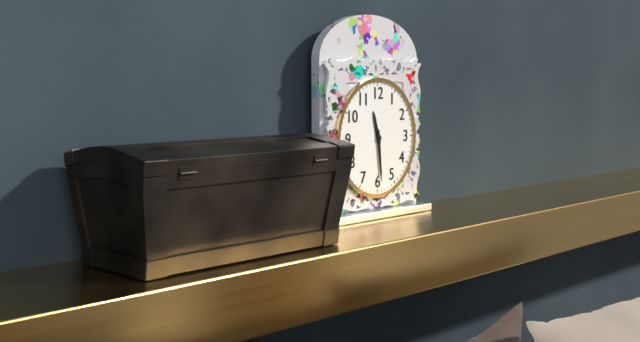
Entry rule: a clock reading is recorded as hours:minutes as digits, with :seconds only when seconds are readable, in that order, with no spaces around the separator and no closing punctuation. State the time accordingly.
11:29
